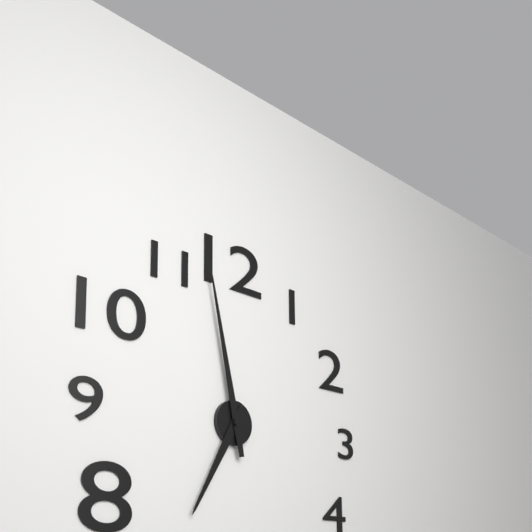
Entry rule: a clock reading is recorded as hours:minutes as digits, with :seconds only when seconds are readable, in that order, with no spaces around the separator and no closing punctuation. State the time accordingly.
6:58
